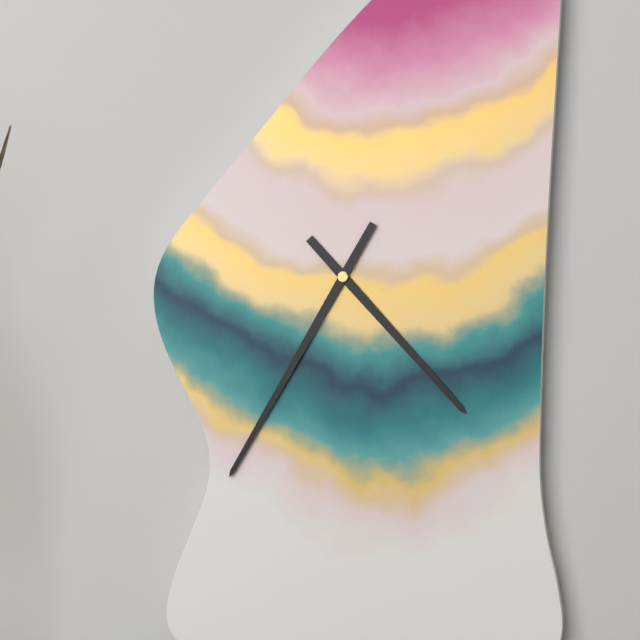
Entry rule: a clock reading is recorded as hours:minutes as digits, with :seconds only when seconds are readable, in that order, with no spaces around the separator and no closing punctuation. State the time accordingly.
4:35
